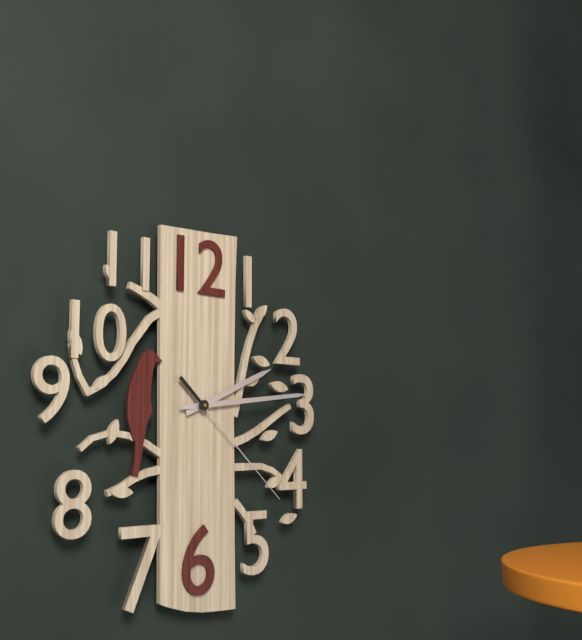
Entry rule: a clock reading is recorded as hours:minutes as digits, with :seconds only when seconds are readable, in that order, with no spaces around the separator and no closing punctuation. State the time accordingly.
2:14:22
